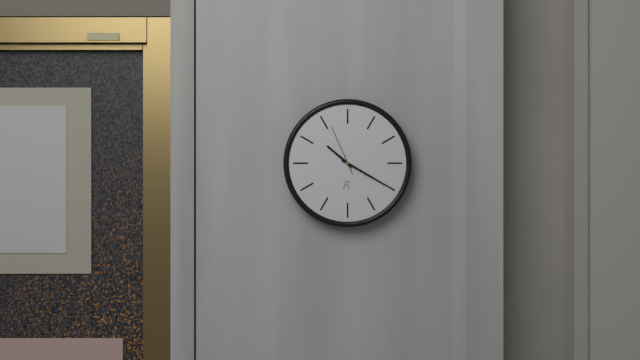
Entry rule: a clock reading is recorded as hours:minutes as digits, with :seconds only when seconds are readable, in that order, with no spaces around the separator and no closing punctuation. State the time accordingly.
10:20:56
